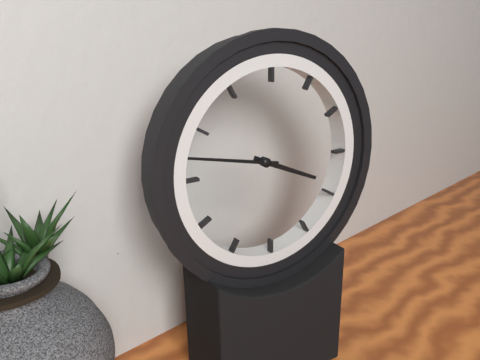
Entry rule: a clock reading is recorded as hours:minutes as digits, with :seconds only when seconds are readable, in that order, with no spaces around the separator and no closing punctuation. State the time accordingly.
3:47
